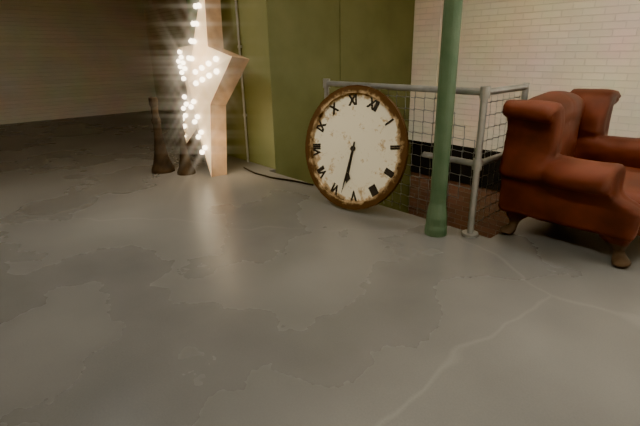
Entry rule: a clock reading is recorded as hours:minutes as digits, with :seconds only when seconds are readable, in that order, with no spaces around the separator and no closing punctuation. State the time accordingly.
5:28
